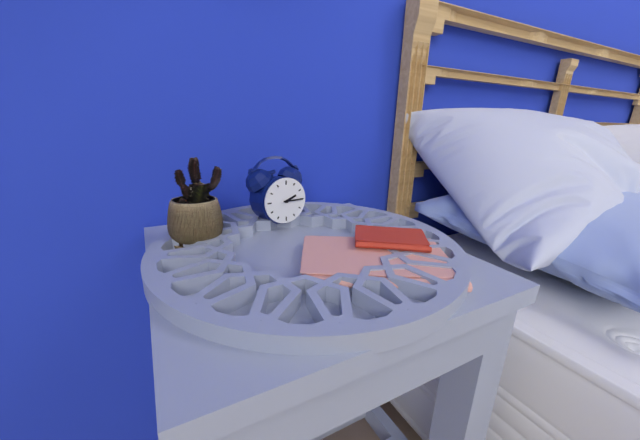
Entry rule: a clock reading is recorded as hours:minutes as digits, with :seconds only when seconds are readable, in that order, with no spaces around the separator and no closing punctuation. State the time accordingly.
2:15
